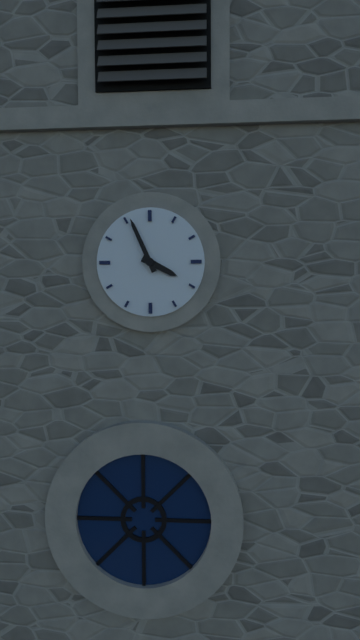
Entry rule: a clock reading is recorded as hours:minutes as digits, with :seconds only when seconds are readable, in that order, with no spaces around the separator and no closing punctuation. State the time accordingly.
3:56
